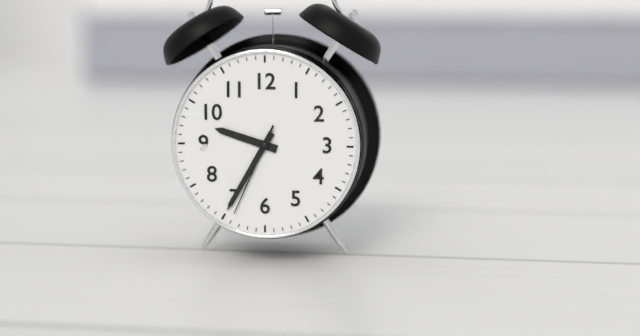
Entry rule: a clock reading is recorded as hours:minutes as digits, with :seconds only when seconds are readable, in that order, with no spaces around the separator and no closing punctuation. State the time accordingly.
9:35:34
